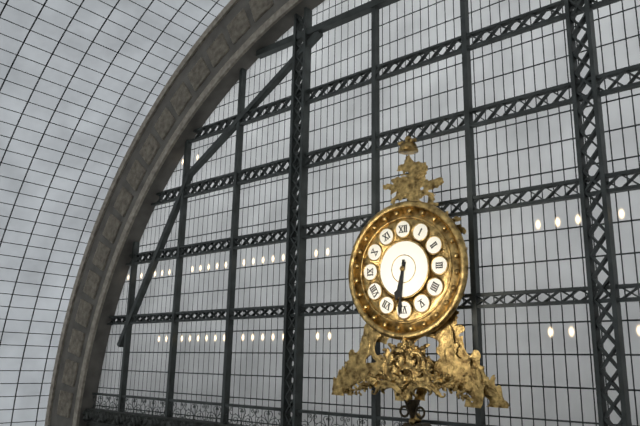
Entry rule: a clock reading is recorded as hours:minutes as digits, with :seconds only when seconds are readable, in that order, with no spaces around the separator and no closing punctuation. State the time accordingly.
6:31
